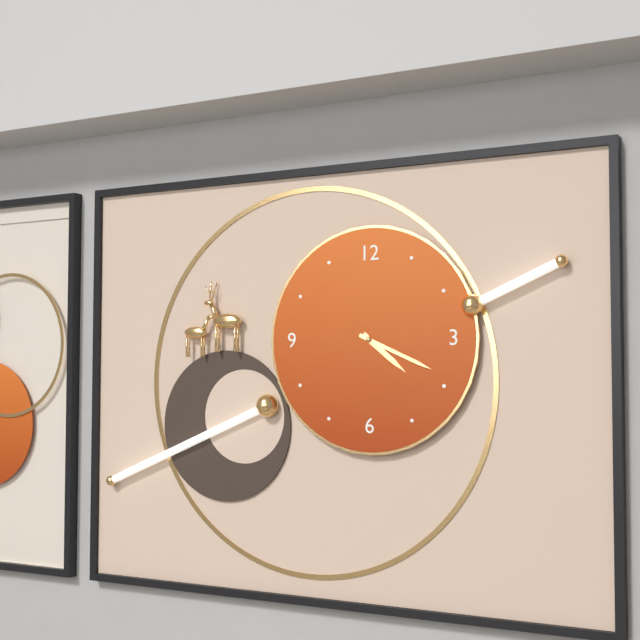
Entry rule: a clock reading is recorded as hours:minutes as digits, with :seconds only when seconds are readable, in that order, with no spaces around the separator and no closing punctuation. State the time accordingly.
4:19
